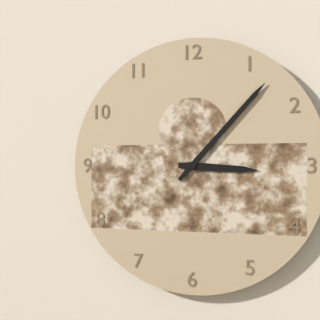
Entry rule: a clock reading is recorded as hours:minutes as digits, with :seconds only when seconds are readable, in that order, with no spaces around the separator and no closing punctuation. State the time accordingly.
3:07
